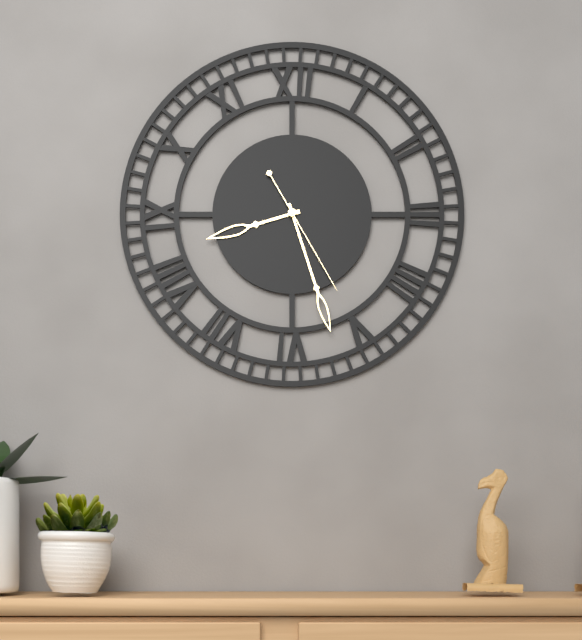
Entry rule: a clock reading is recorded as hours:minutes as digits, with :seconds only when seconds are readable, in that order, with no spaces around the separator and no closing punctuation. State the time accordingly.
8:27:25
